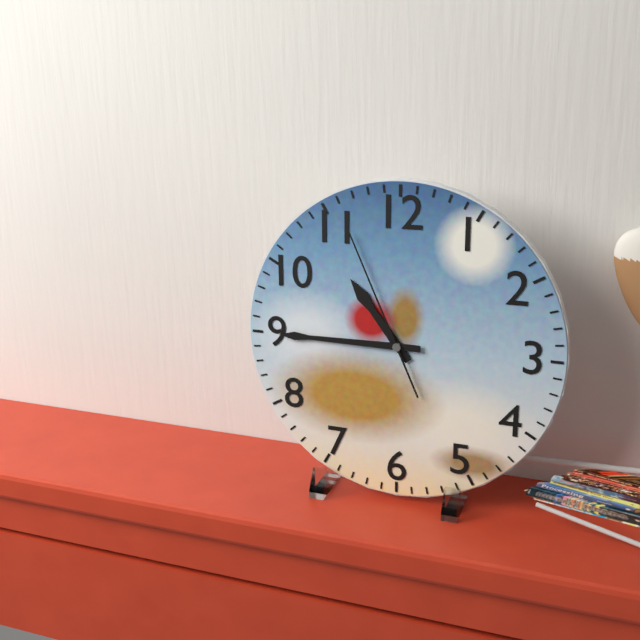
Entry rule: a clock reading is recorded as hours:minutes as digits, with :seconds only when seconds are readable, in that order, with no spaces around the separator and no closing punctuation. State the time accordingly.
10:45:56
